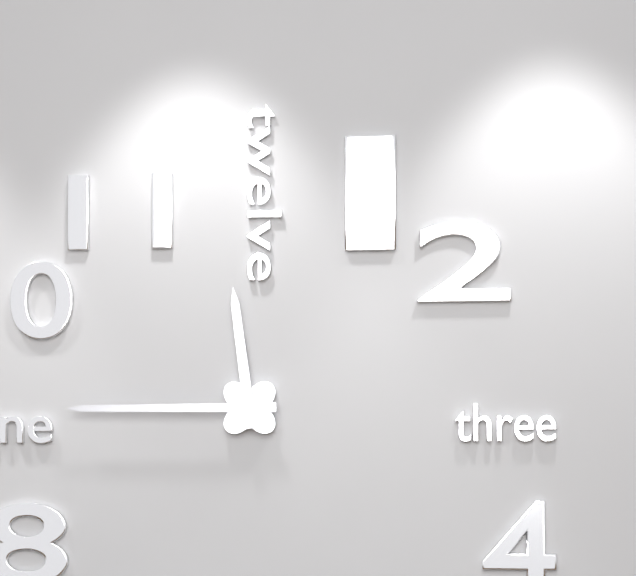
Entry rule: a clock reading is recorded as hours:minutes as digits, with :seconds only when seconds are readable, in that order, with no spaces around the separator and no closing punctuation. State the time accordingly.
11:45
